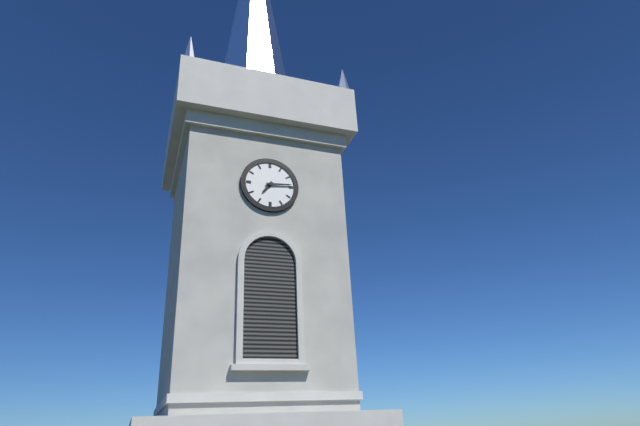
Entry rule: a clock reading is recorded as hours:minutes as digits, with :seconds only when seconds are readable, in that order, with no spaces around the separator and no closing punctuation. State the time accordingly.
7:14
